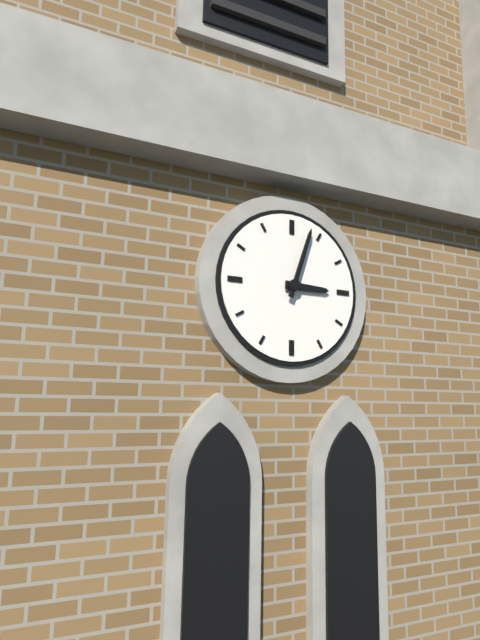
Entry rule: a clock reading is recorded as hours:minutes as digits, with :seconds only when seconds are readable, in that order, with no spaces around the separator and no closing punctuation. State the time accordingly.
3:03
